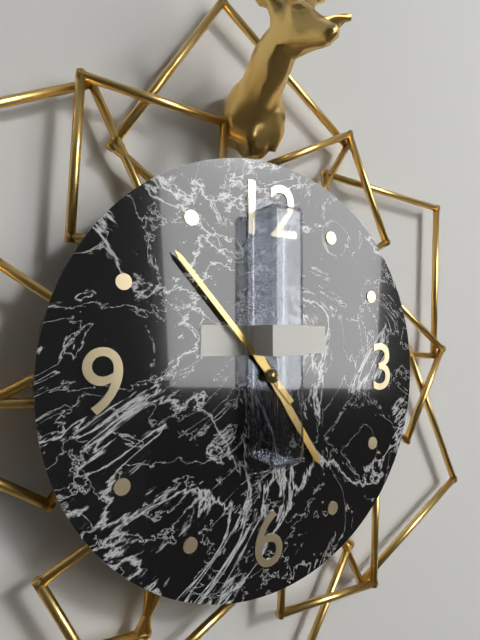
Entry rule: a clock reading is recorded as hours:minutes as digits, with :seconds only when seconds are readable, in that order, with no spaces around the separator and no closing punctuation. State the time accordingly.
4:53
